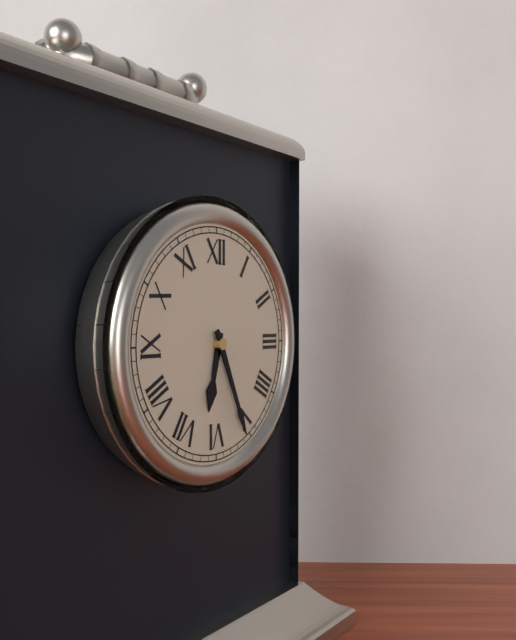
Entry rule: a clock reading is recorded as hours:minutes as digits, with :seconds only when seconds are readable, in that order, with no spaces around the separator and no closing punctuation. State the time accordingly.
6:26
